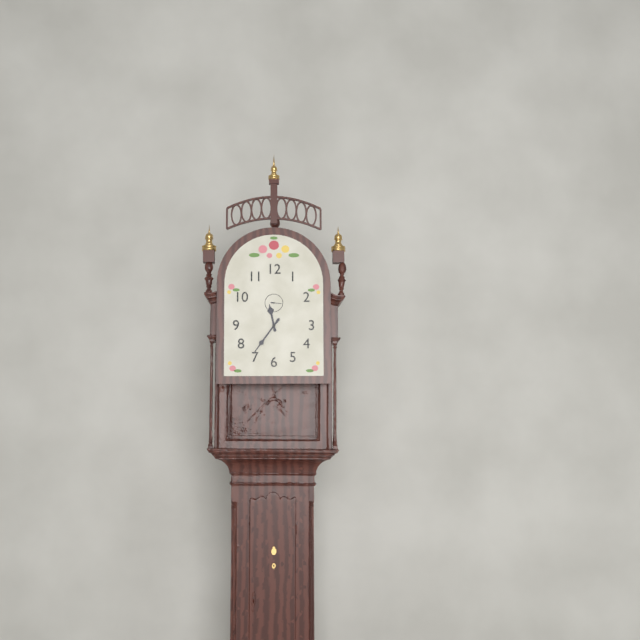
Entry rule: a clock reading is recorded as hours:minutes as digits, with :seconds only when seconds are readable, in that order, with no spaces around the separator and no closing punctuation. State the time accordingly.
11:36
